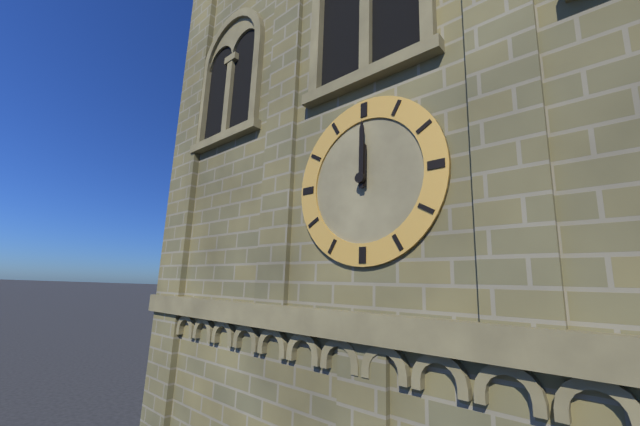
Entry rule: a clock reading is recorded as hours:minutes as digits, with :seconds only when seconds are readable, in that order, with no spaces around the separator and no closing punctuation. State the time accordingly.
12:00
